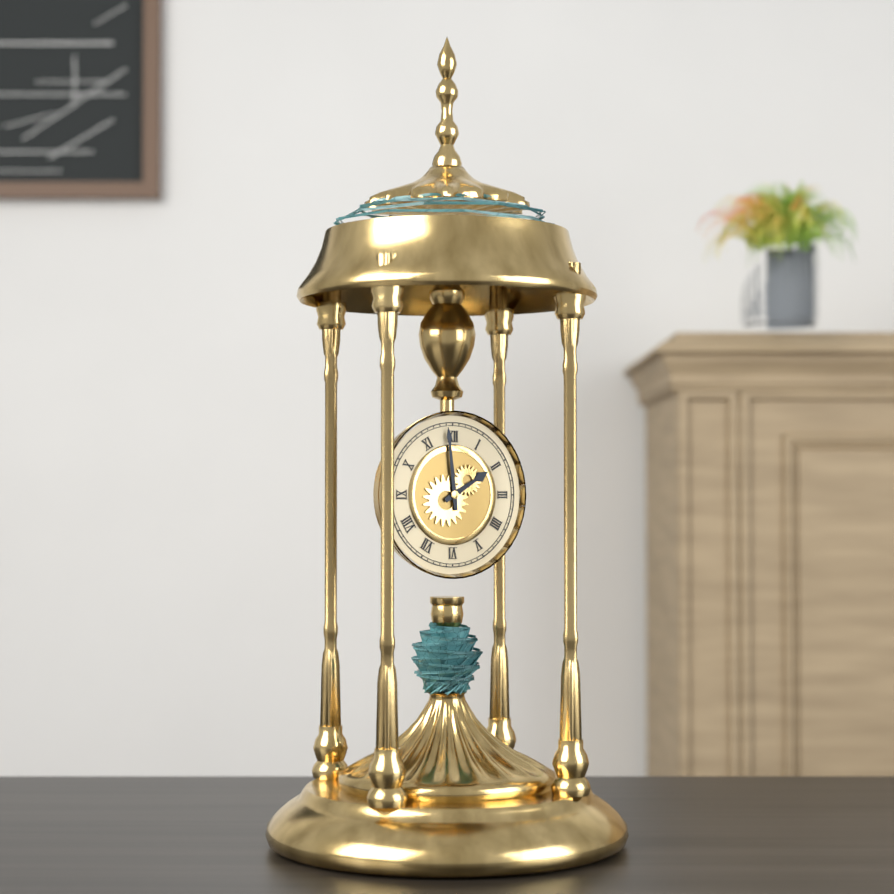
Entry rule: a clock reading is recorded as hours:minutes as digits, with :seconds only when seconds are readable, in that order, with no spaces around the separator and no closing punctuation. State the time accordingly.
1:59
